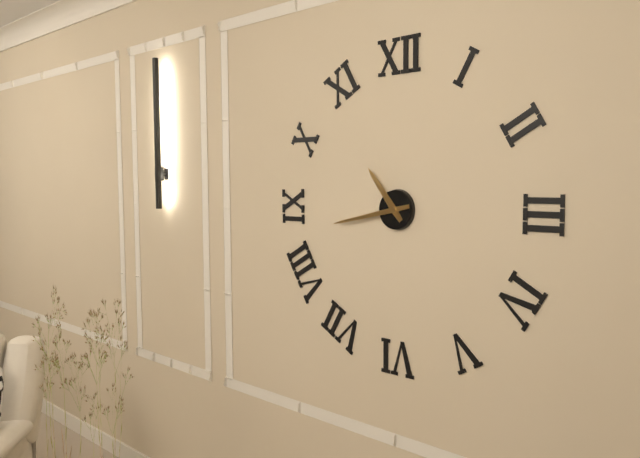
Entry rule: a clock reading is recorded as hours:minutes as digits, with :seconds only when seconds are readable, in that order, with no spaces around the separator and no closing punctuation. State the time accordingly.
10:43
